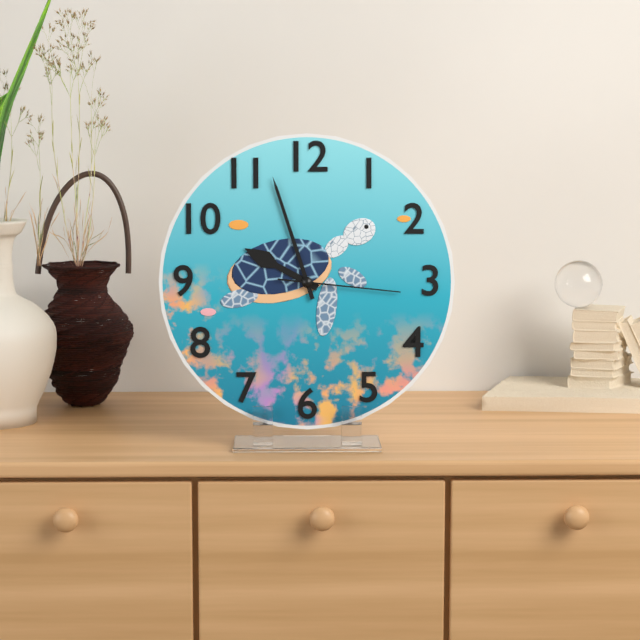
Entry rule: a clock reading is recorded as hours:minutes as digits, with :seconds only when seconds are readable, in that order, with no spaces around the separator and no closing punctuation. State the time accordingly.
9:57:16
